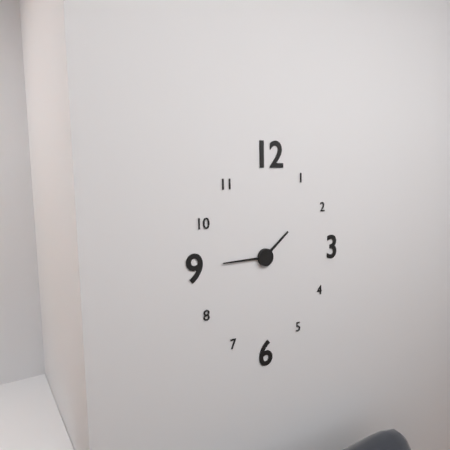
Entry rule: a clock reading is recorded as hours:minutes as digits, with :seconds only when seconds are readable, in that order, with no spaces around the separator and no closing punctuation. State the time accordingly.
1:45
